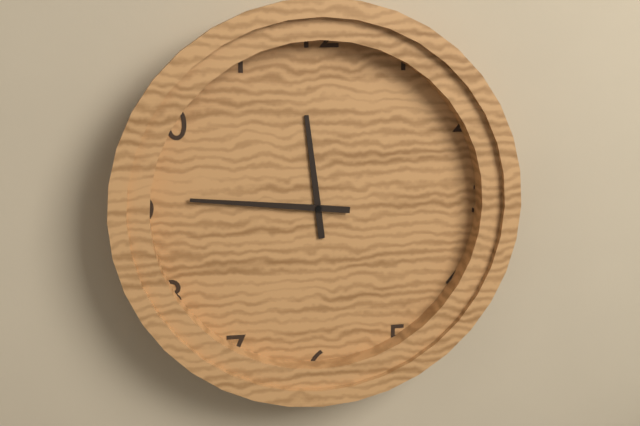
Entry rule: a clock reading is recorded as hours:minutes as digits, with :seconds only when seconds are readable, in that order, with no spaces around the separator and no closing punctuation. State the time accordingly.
11:46
